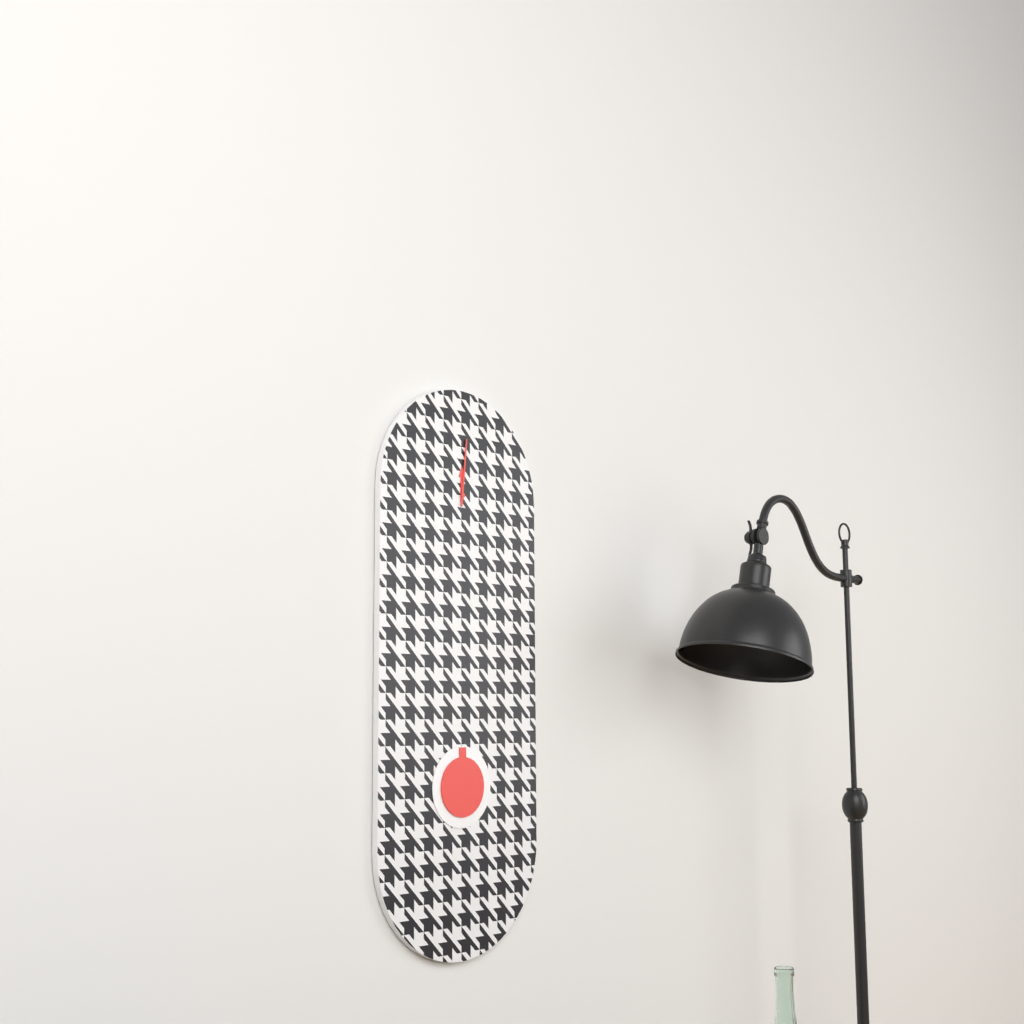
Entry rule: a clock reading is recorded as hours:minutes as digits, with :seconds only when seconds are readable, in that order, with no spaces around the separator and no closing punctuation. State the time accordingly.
12:01
